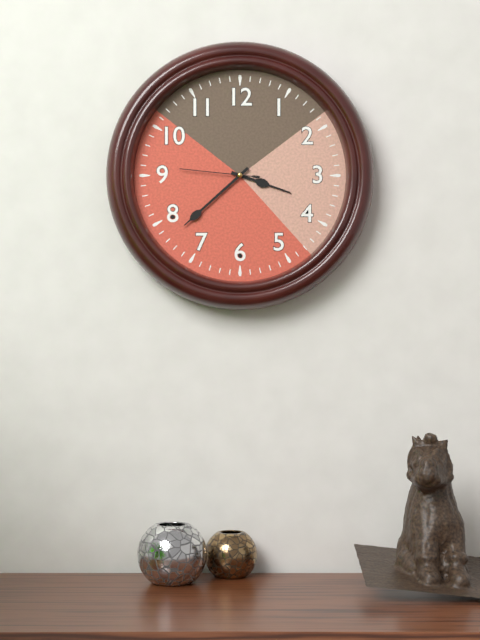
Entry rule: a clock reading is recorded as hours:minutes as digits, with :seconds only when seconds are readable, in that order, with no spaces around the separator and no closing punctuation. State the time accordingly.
3:38:46
